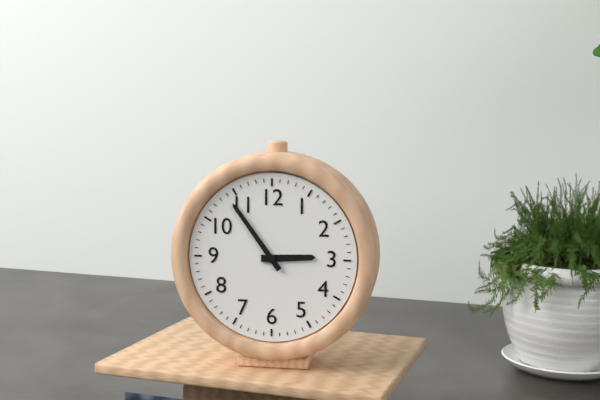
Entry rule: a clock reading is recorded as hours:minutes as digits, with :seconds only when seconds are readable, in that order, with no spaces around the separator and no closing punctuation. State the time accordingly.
2:54
